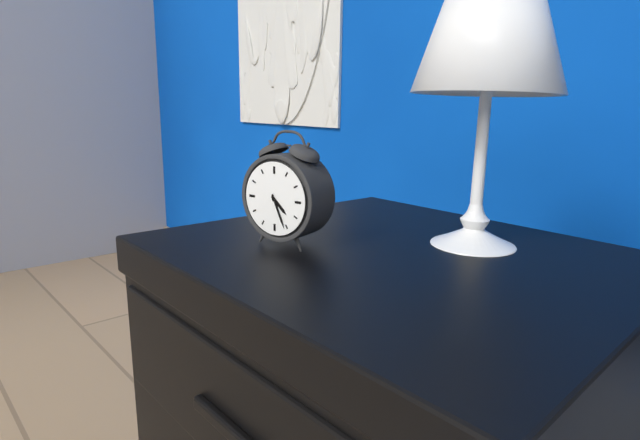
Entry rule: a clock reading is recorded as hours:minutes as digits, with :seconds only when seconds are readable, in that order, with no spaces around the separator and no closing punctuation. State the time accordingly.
4:26
